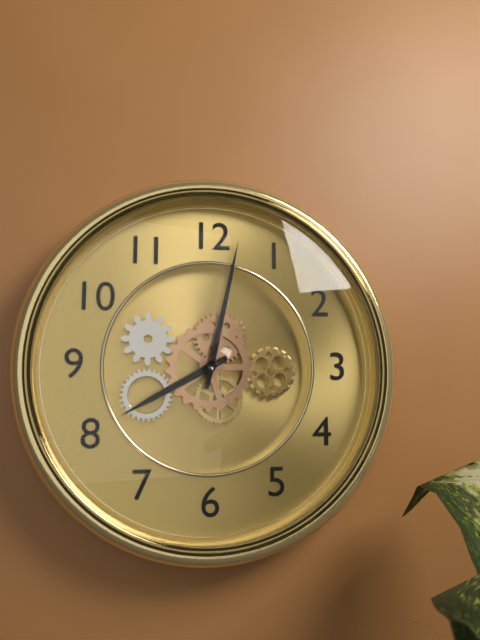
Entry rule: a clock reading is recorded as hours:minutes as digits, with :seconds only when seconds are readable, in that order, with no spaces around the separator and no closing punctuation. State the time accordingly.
8:02
